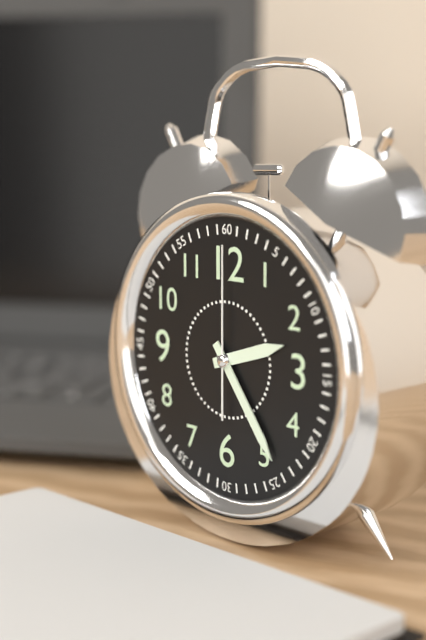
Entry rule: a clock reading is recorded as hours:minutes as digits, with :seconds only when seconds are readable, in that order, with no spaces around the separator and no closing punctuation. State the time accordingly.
2:24:00
